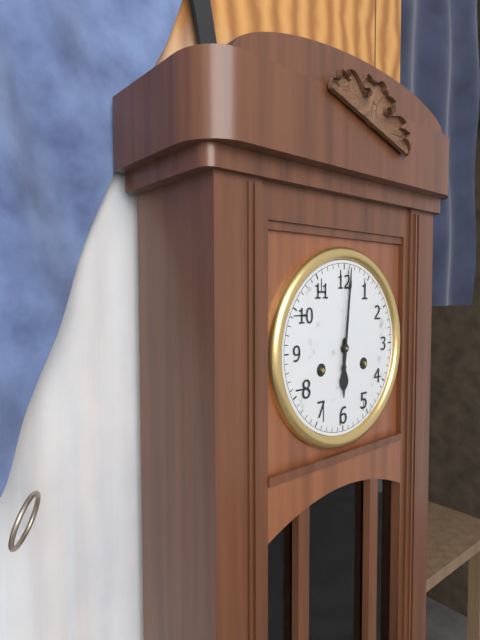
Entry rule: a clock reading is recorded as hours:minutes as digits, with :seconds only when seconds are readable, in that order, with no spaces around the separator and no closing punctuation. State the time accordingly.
6:01
